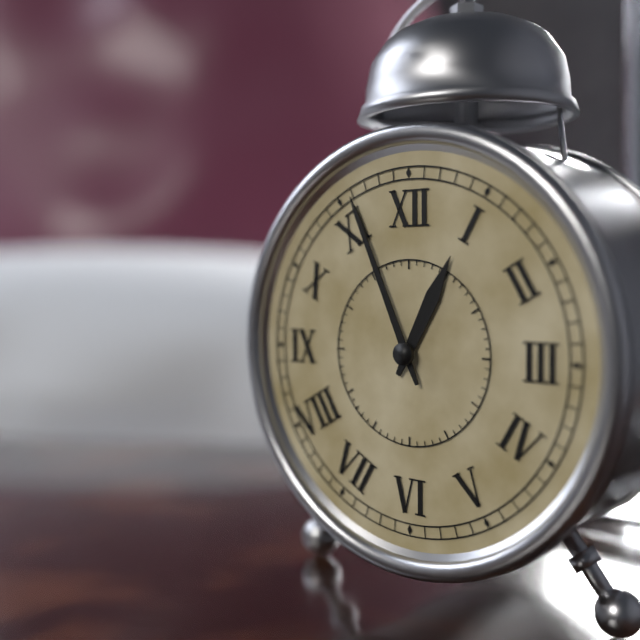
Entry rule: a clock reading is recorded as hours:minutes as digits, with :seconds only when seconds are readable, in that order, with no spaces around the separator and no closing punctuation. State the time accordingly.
12:56
